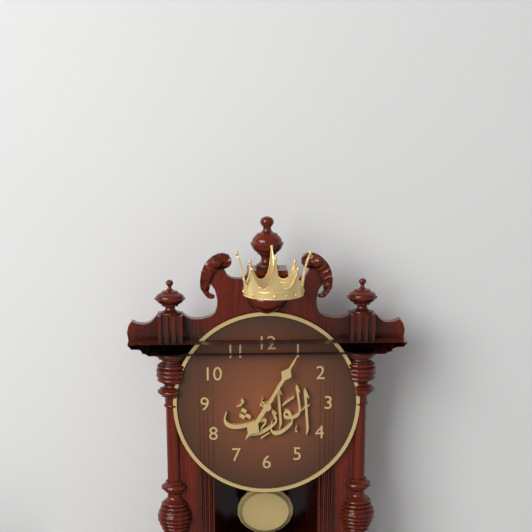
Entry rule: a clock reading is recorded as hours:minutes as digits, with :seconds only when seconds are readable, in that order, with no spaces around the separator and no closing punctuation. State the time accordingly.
7:05
